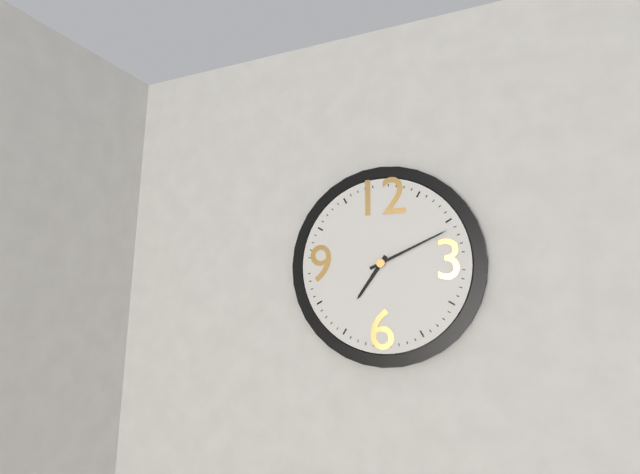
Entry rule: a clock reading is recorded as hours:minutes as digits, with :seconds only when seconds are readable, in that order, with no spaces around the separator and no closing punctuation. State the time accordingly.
7:11
